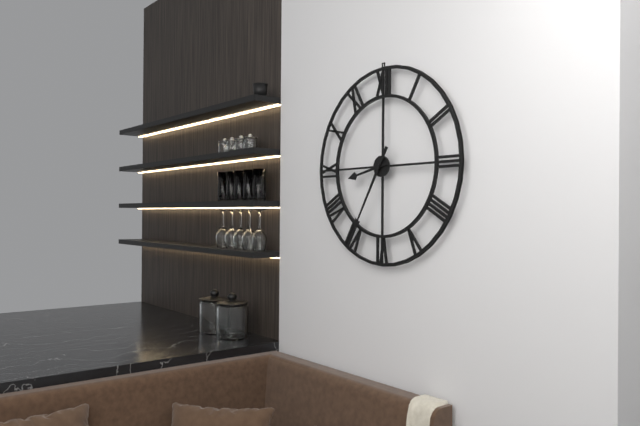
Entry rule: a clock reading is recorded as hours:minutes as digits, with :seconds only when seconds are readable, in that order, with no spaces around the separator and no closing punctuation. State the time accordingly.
8:35
